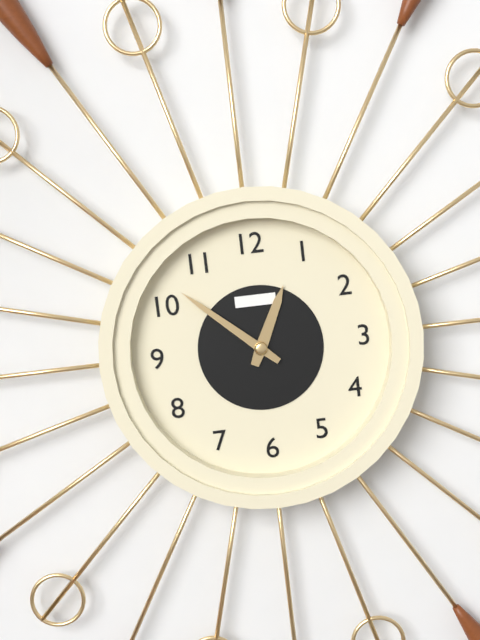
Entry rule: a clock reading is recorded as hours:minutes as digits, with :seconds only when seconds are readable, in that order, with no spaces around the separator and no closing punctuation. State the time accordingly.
12:52
